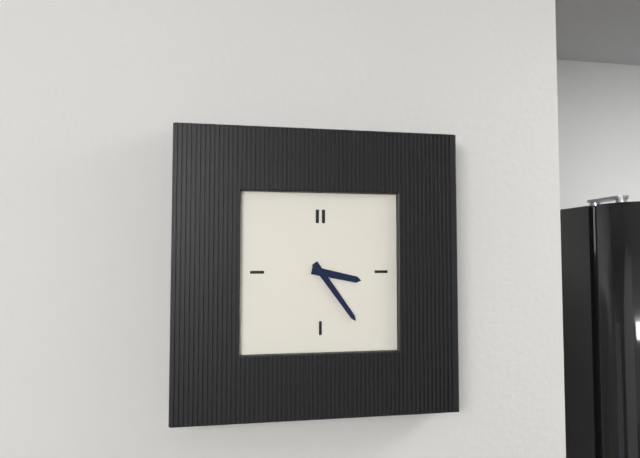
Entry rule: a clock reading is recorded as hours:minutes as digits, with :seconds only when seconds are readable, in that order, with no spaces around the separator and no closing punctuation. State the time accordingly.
3:24
